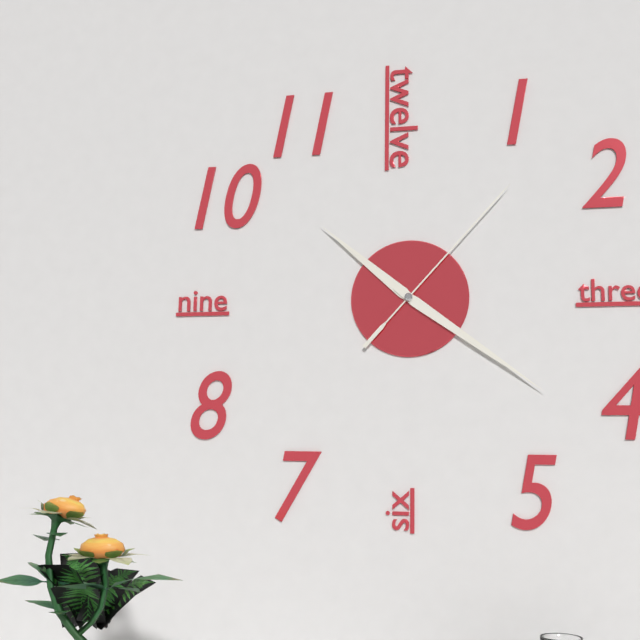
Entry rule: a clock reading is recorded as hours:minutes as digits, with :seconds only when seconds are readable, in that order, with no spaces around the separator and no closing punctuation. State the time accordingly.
10:21:07
